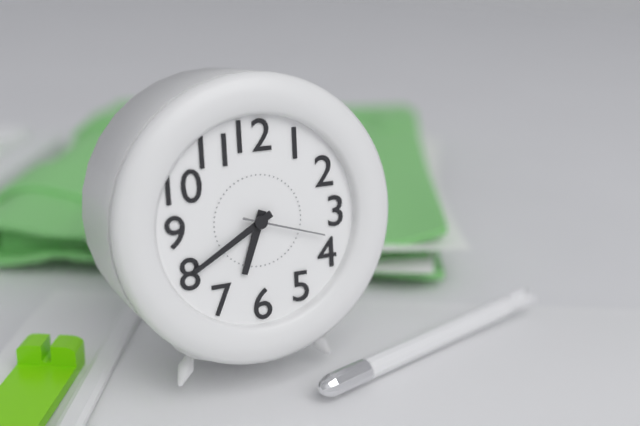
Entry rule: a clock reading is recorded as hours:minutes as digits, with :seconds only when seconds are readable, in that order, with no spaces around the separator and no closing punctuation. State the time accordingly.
6:40:18
